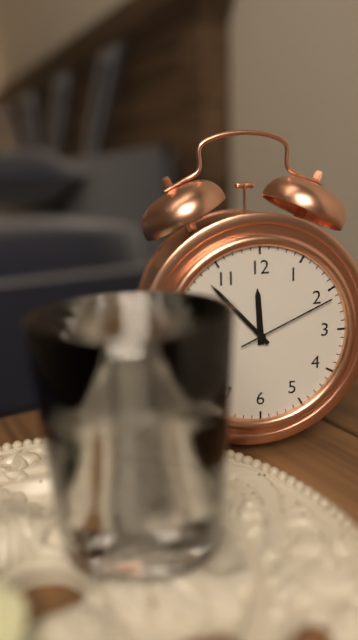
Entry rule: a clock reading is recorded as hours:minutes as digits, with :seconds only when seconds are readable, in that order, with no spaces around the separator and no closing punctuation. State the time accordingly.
11:53:11
